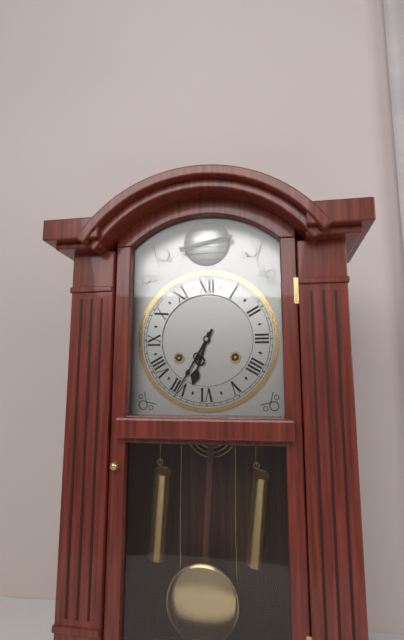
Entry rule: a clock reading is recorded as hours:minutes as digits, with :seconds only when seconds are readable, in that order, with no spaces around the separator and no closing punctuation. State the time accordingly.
6:35
